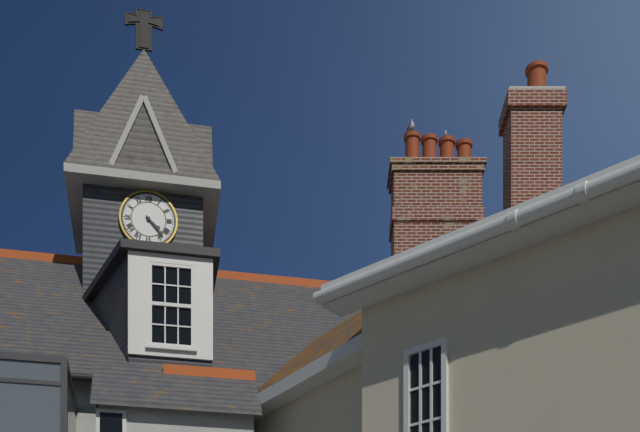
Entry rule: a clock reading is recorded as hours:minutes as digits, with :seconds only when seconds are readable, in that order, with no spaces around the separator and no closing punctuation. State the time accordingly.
4:23
